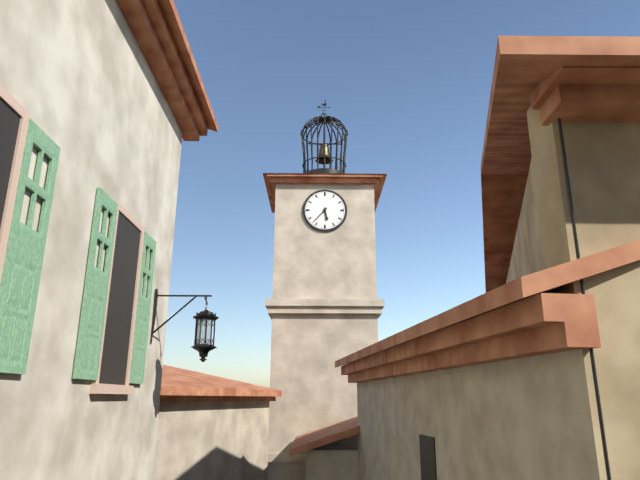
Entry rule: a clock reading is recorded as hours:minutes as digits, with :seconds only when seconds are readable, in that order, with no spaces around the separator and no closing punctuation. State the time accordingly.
5:37
